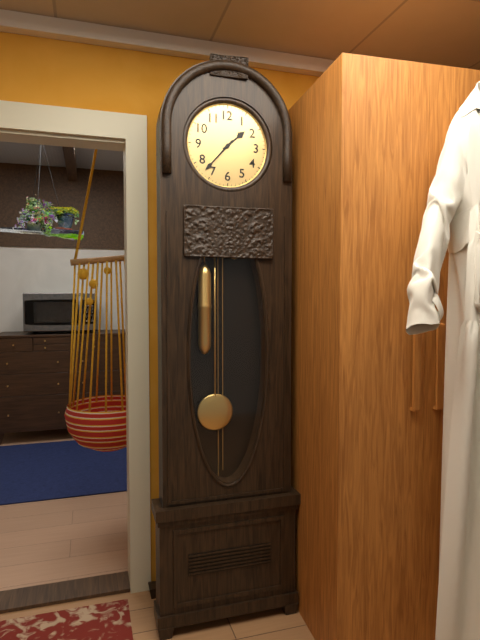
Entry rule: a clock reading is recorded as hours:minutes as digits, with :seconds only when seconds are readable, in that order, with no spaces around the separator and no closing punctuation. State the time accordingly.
1:37
